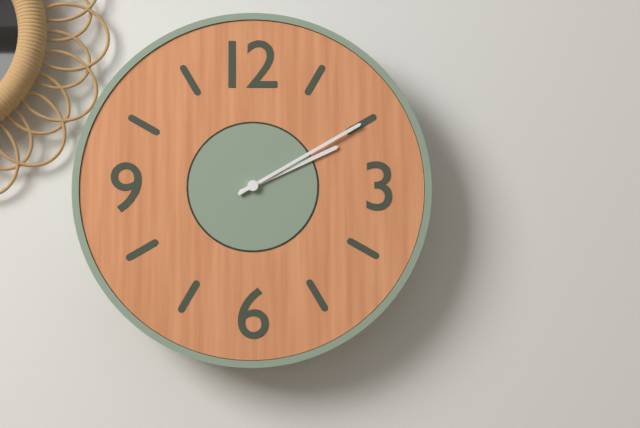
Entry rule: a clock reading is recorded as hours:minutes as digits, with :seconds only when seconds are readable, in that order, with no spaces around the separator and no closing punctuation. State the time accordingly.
2:10
